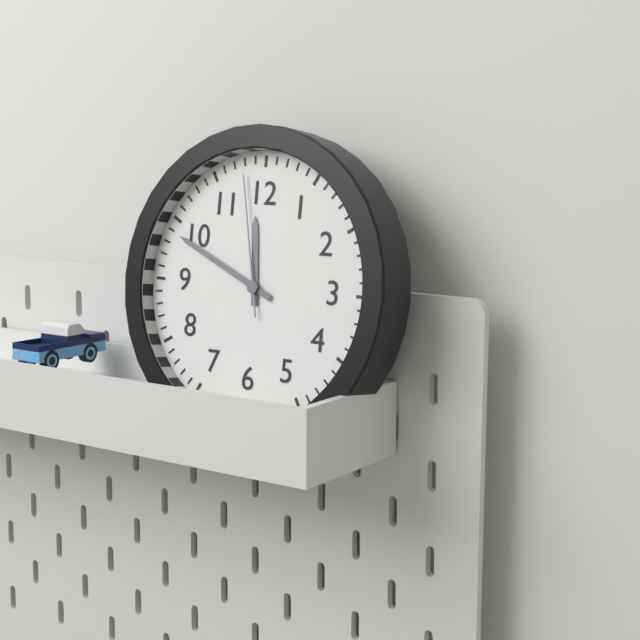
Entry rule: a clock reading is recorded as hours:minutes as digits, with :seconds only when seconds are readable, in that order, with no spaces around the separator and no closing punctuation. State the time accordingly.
11:49:58
